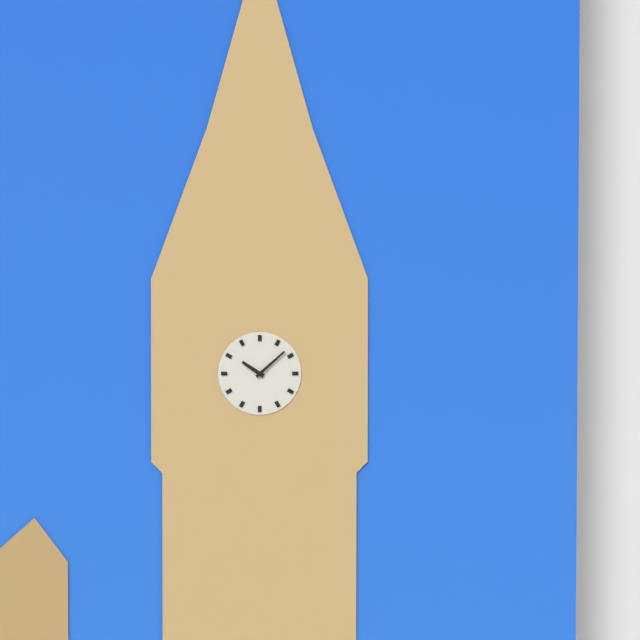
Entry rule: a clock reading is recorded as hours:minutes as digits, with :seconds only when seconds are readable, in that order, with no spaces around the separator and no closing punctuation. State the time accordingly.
10:08
